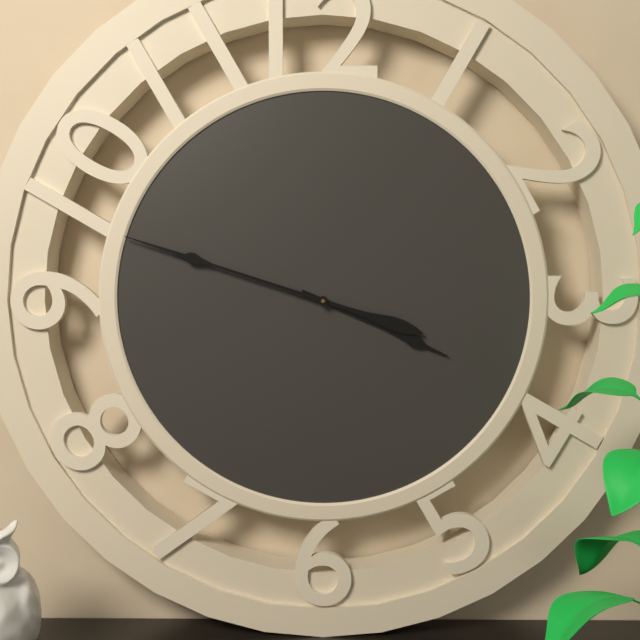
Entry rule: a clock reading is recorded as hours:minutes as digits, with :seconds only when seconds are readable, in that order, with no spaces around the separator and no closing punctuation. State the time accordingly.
3:48
